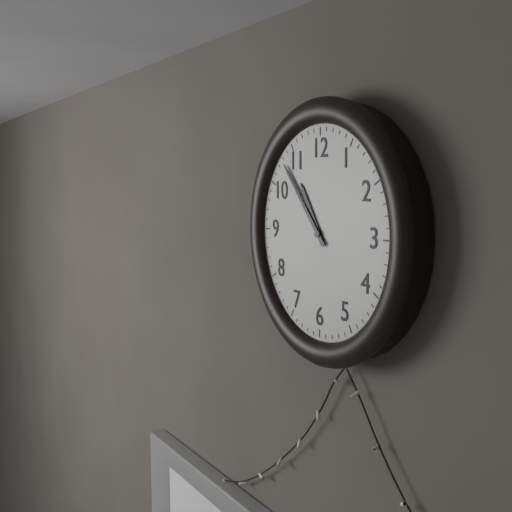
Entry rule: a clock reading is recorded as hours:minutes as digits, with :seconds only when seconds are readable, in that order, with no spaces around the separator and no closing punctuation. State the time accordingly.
10:53
